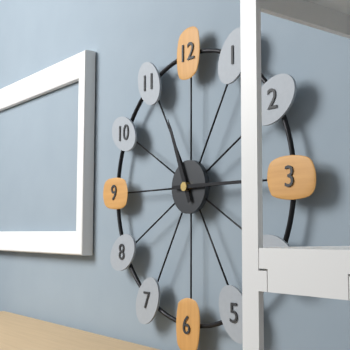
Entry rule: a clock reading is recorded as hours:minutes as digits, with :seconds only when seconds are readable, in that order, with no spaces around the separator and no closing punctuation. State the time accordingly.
11:15
